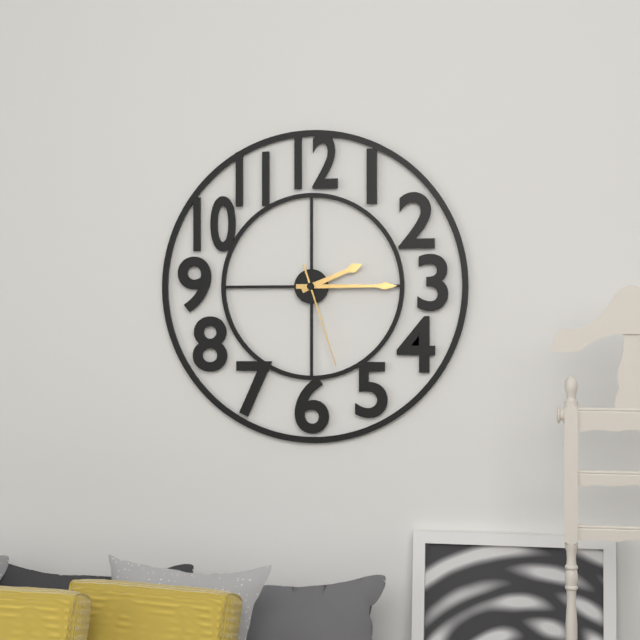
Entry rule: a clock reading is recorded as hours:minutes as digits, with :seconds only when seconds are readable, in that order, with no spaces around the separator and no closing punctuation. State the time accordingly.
2:15:27
